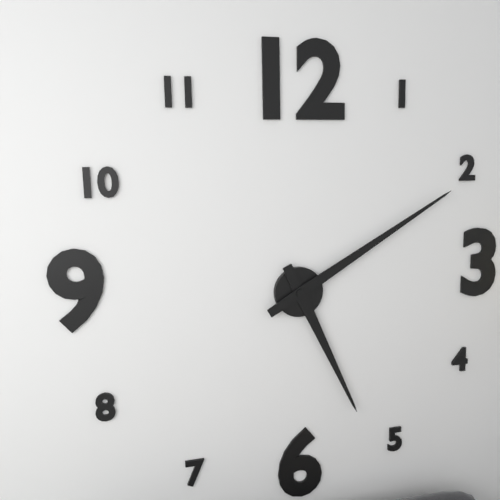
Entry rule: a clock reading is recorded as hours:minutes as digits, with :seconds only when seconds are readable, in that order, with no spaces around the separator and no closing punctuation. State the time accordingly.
5:10
